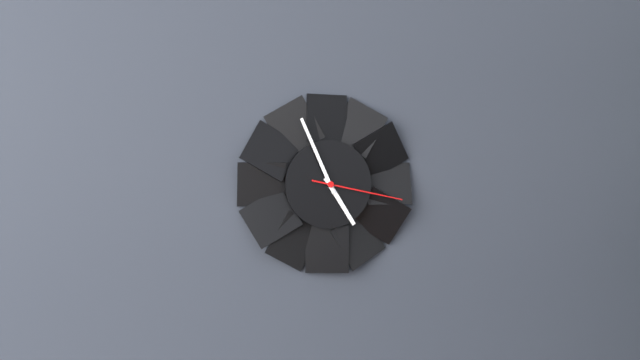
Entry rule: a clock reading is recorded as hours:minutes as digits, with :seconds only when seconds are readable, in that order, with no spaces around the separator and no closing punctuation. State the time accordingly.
4:56:17
